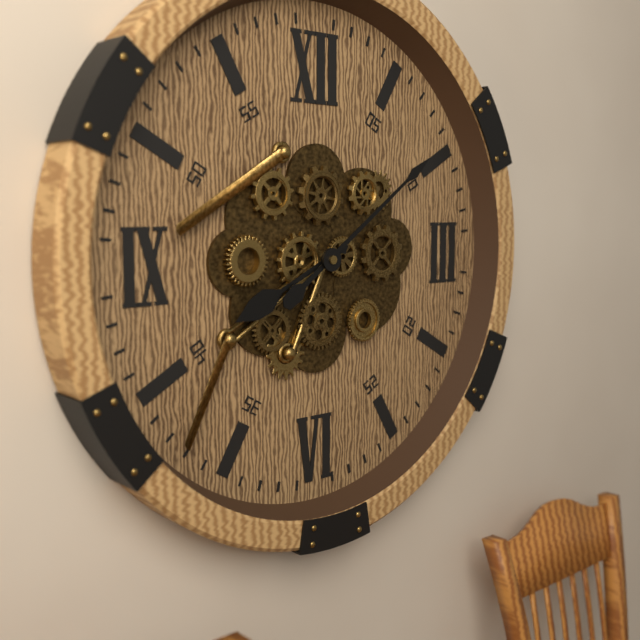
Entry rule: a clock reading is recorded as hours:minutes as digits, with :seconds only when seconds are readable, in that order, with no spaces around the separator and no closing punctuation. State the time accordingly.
8:09
